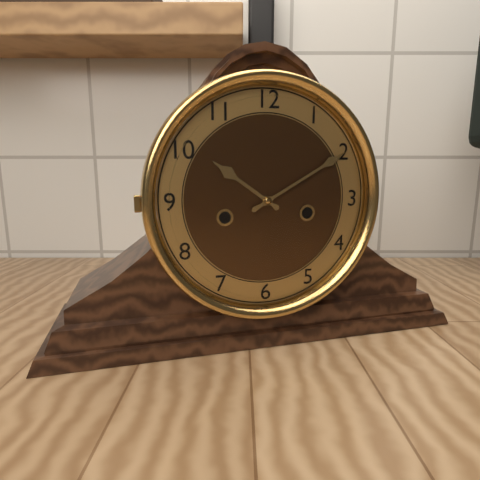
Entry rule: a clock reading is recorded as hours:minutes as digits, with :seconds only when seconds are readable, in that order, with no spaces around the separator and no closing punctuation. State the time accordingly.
10:10
